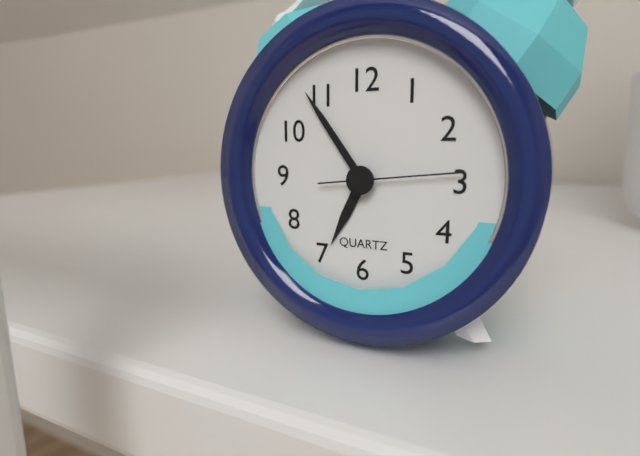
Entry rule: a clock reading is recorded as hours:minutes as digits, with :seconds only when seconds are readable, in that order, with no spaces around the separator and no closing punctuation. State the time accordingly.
6:54:14
